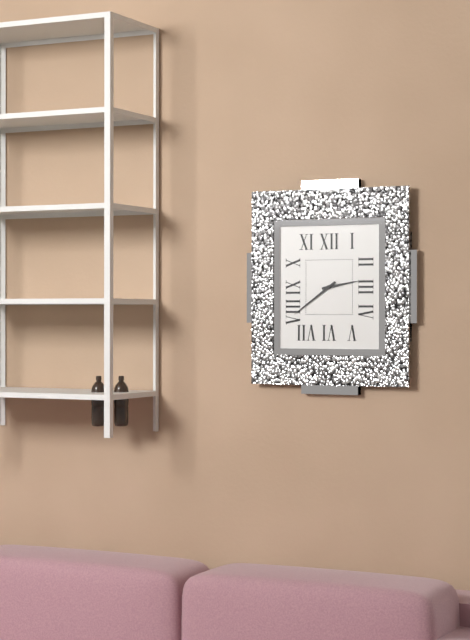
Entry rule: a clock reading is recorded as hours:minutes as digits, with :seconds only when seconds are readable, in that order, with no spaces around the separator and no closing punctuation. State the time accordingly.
2:39
